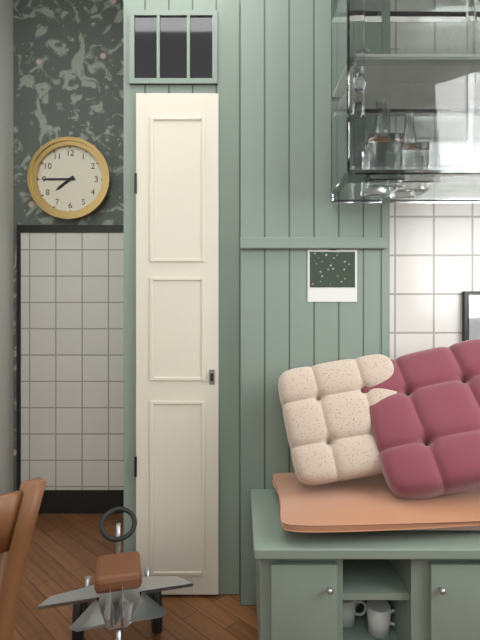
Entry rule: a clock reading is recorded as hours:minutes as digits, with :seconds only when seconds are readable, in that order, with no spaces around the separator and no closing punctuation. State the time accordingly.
7:45
